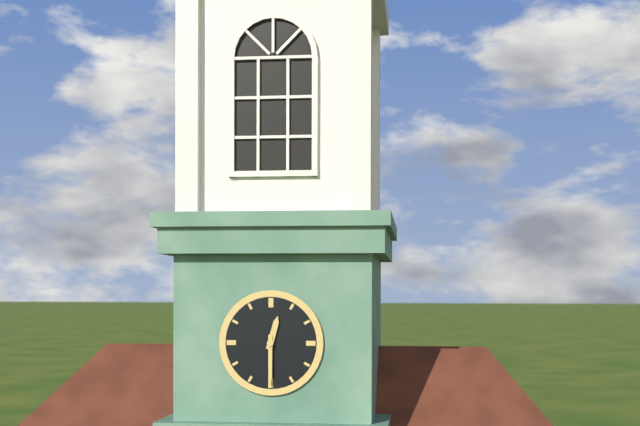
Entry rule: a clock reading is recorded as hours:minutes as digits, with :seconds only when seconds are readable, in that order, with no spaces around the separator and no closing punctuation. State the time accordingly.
12:30
